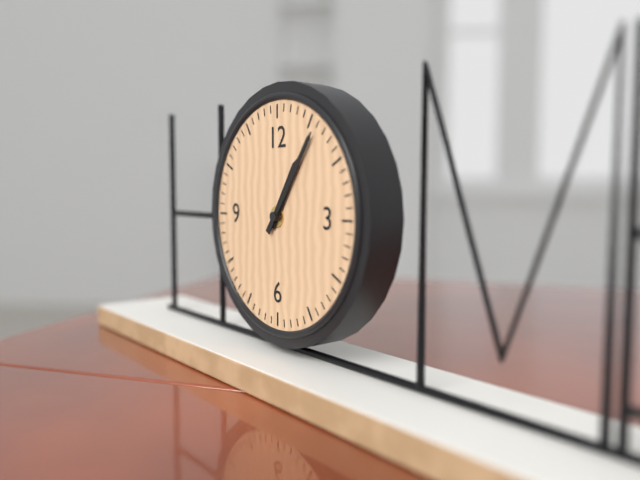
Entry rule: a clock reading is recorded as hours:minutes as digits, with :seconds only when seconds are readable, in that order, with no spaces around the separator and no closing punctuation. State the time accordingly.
1:06
